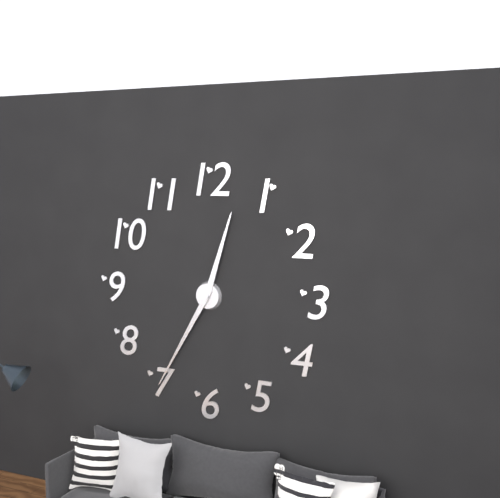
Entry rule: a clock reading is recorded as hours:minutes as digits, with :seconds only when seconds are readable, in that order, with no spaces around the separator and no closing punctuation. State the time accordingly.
12:35
